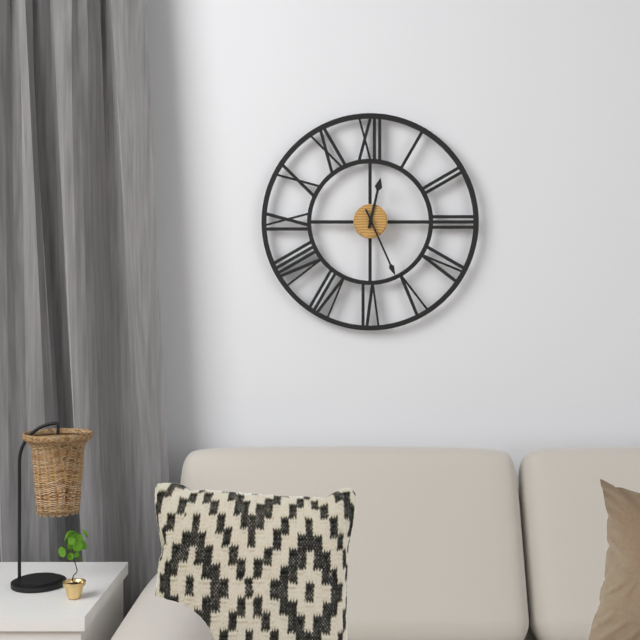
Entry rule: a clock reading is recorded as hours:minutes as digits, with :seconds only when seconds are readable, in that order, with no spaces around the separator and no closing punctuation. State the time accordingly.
12:26
